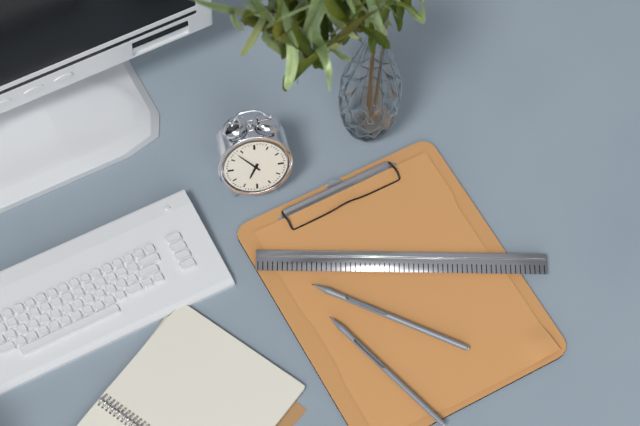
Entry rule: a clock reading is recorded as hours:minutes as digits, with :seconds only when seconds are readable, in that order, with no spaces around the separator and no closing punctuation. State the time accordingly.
6:53
